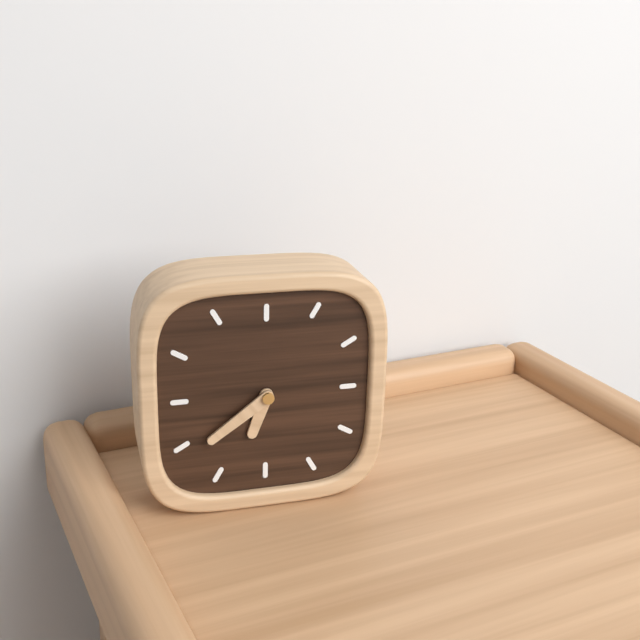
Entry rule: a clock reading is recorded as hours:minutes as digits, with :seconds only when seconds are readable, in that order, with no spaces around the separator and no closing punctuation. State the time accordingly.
6:39
